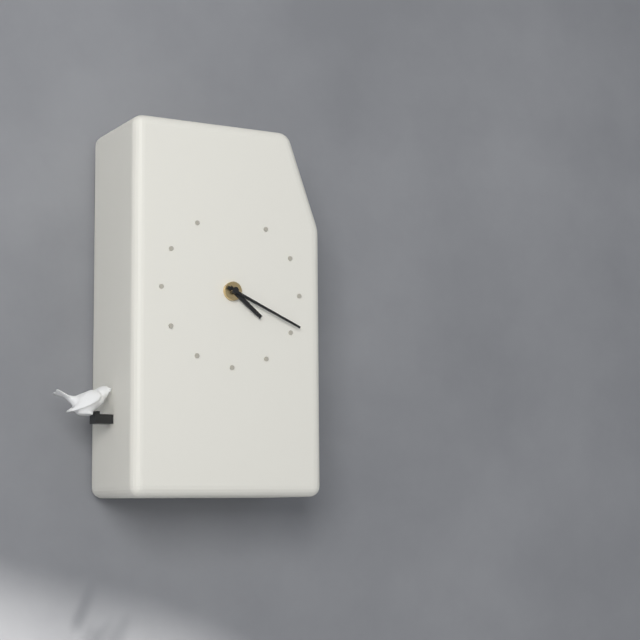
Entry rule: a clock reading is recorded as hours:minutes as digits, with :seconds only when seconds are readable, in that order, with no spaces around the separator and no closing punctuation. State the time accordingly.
4:19
